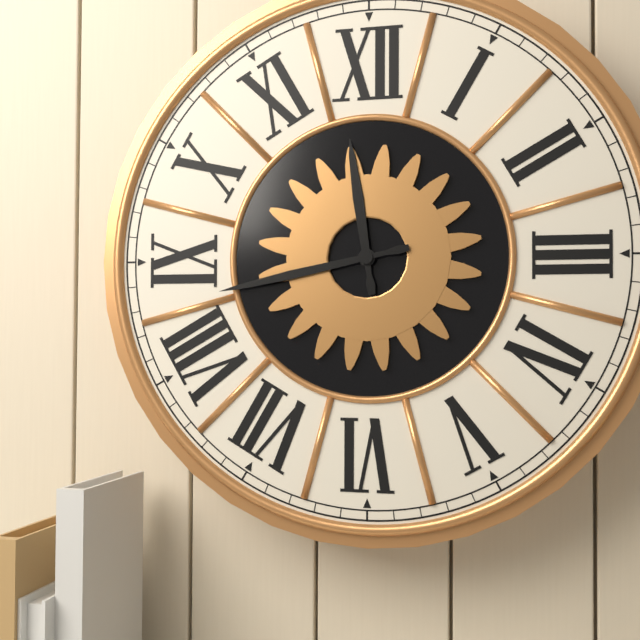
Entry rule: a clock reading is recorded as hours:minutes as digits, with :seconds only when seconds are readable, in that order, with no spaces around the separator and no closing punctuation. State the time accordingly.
11:43
